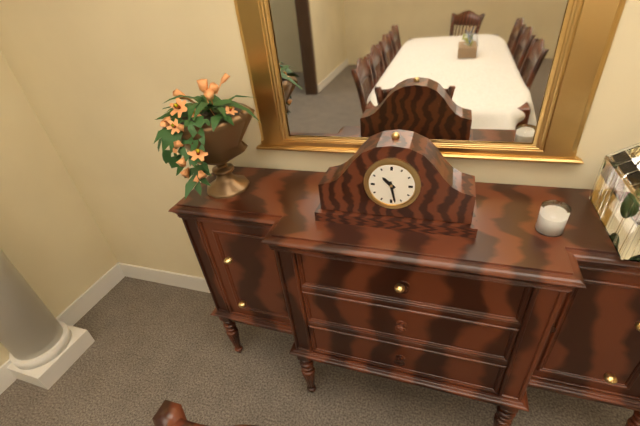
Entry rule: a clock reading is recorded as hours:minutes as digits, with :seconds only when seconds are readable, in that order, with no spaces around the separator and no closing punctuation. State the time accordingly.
10:28
